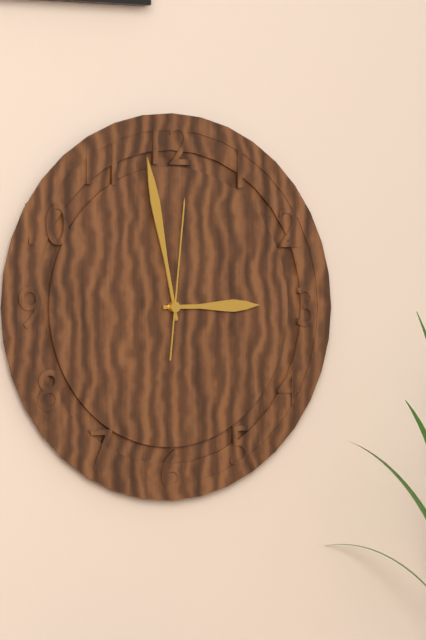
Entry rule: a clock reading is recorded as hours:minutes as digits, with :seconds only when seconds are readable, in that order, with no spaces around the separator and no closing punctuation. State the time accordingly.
2:58:01
